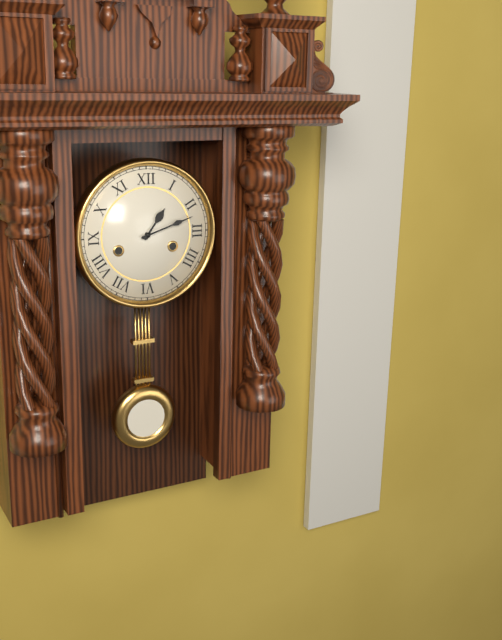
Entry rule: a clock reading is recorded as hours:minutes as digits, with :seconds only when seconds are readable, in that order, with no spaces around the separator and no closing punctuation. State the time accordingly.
1:12
